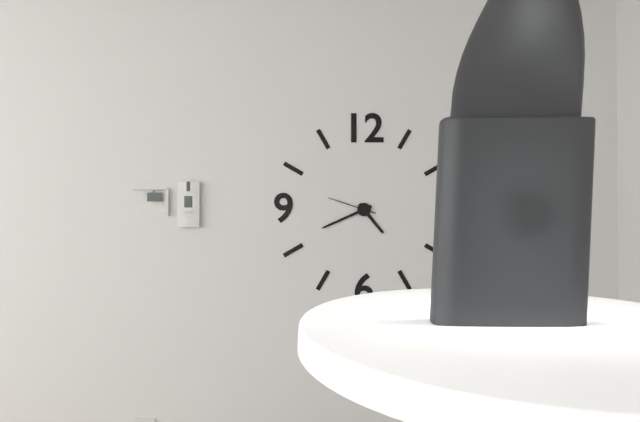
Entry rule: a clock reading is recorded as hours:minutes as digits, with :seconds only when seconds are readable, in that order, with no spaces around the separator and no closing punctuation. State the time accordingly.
4:41
